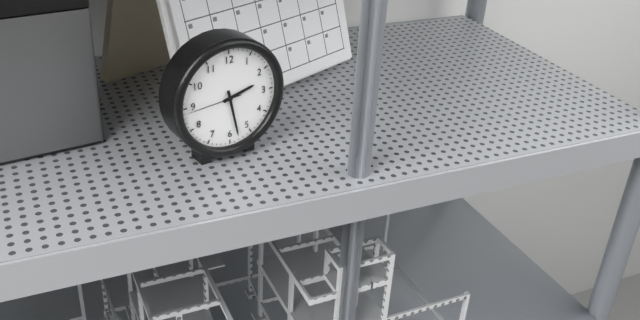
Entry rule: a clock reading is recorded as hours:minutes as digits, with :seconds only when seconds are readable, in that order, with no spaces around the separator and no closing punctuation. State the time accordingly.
2:28:44
